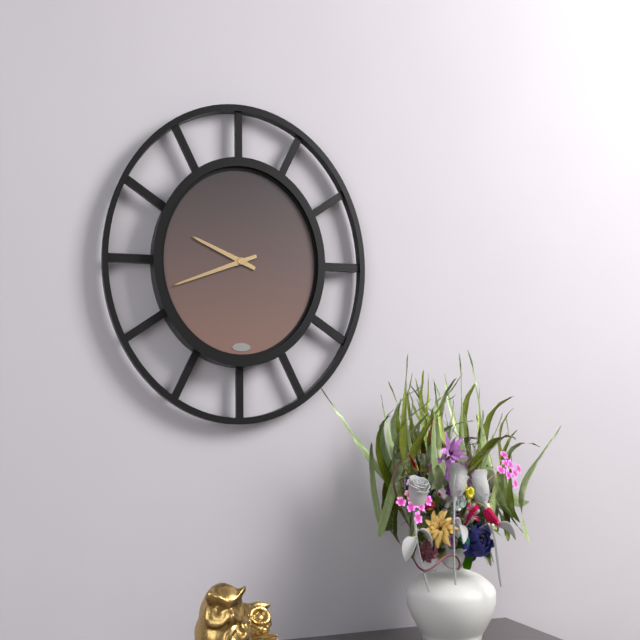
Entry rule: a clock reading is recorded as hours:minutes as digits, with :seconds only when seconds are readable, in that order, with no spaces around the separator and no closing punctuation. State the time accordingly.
9:42
